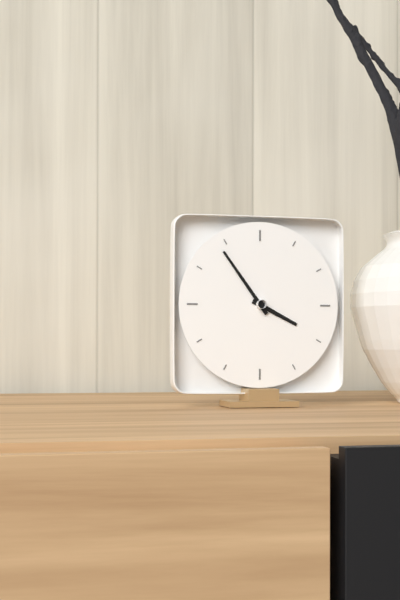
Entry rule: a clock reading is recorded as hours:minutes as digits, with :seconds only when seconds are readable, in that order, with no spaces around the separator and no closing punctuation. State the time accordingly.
3:54
